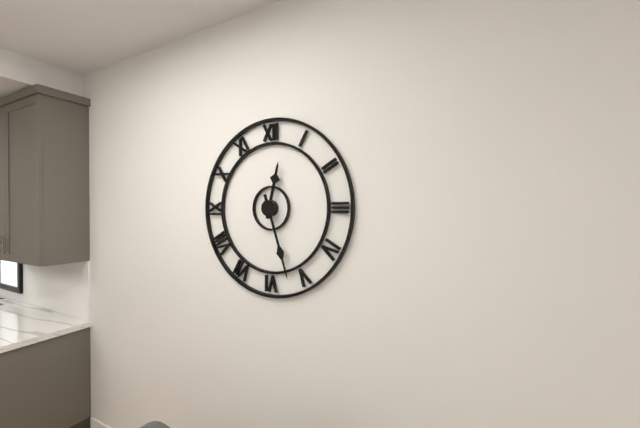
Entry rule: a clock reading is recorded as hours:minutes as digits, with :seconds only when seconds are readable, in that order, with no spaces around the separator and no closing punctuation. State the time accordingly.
12:27
